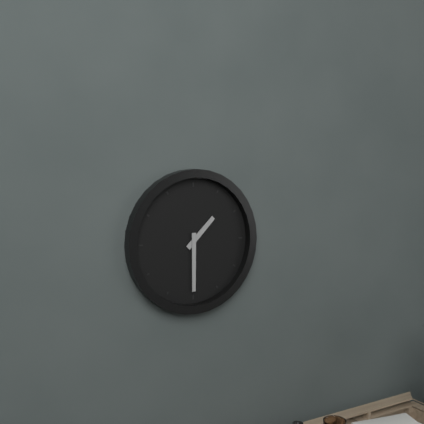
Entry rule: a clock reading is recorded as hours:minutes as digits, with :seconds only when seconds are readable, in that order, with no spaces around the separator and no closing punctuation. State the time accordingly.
1:30
